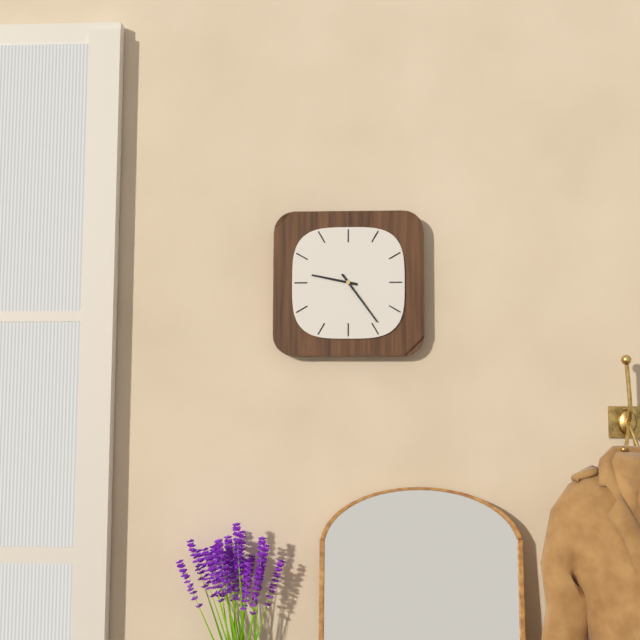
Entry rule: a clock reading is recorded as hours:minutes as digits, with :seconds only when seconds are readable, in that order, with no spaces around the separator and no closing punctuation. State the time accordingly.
9:24
